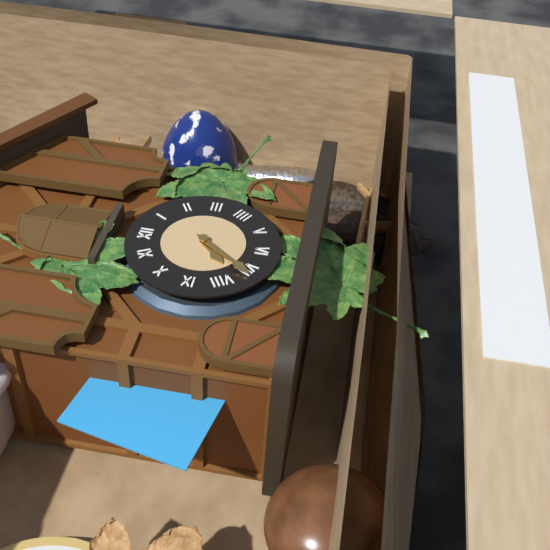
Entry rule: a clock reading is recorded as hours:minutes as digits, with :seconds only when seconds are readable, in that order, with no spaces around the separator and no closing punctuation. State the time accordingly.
7:36
